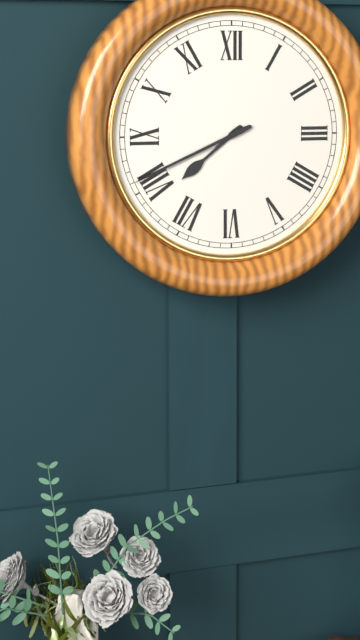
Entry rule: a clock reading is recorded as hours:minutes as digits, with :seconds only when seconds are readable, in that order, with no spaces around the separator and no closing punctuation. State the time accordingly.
7:41
